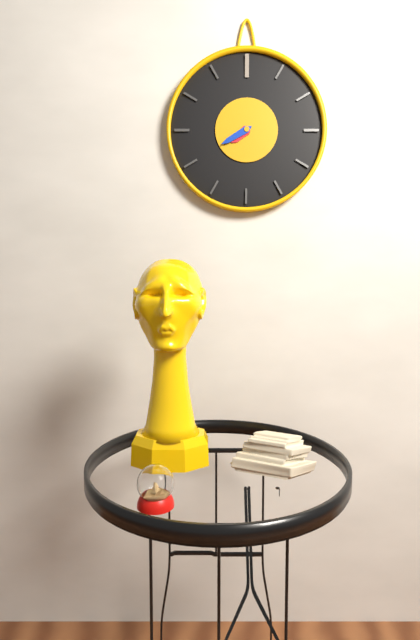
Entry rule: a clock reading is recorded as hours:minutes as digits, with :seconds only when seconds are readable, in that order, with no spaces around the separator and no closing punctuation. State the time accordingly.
7:40
